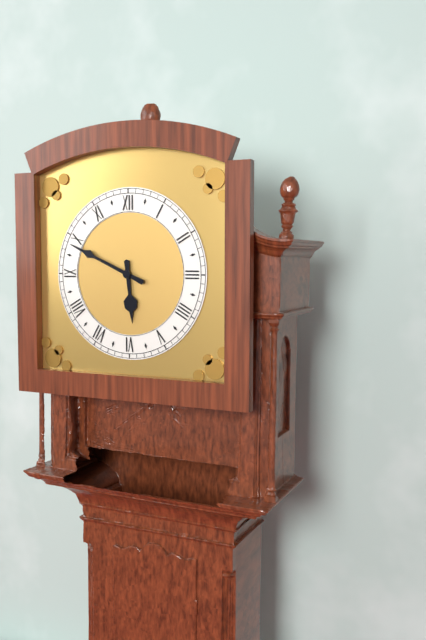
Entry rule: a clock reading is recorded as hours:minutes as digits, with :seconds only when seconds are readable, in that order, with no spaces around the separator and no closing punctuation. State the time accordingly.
5:49
